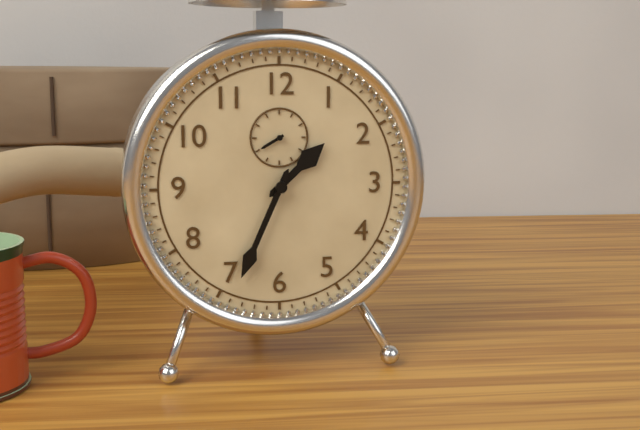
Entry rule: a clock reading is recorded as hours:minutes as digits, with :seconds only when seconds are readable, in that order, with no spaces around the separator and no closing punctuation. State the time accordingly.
1:34
